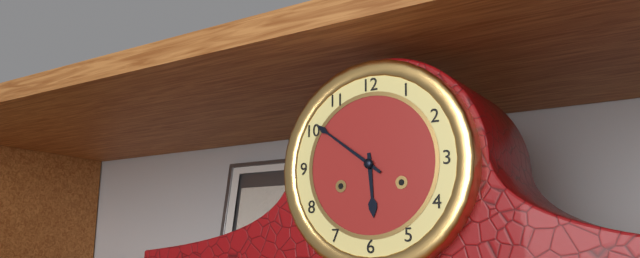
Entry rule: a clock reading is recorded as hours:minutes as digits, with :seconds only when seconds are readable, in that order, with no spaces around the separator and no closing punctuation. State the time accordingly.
5:51
